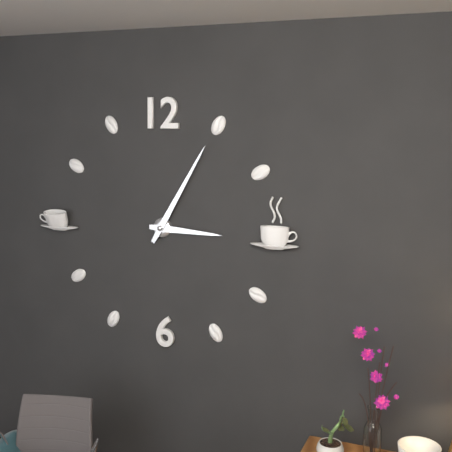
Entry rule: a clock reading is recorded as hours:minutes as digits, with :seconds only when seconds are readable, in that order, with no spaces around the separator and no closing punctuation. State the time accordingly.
3:05
